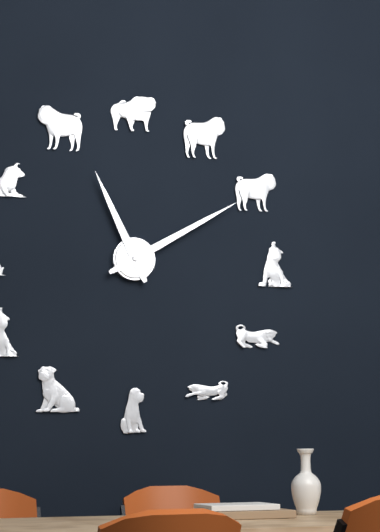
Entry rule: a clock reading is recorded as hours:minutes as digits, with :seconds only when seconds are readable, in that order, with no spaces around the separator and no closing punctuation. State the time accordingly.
11:10
